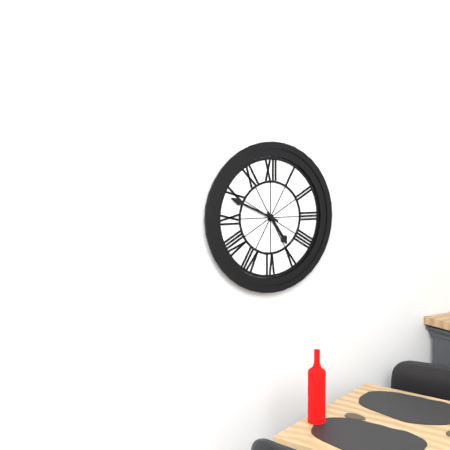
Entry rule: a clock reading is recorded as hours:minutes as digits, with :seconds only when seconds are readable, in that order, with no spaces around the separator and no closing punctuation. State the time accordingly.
4:49
